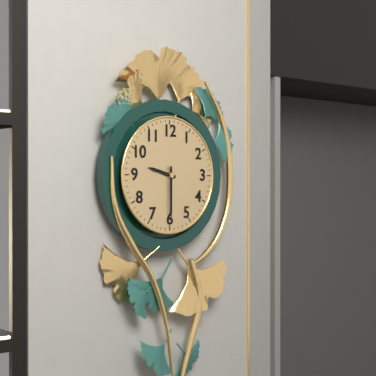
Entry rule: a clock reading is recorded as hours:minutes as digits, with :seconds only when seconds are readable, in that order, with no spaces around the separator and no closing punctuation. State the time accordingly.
9:30
